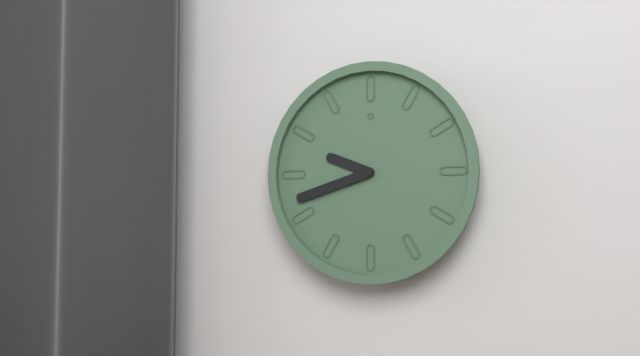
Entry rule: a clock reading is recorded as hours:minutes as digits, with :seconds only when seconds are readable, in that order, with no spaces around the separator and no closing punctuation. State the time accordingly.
9:42
